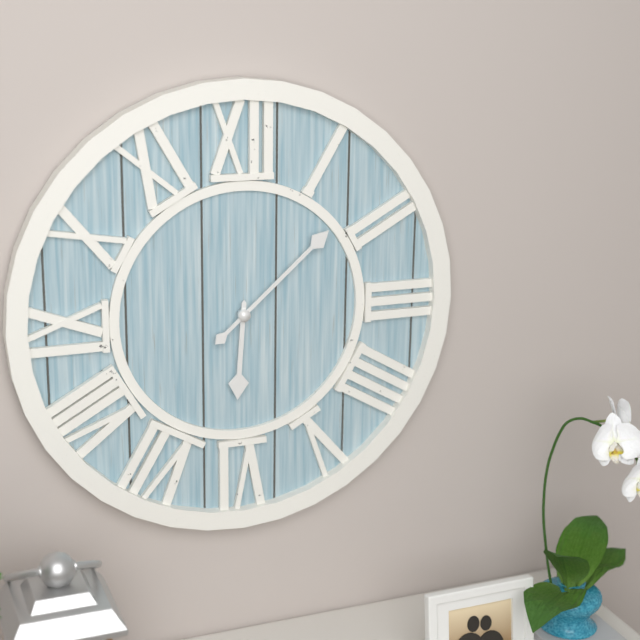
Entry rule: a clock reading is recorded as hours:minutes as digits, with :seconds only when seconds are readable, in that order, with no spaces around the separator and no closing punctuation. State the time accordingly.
6:08
